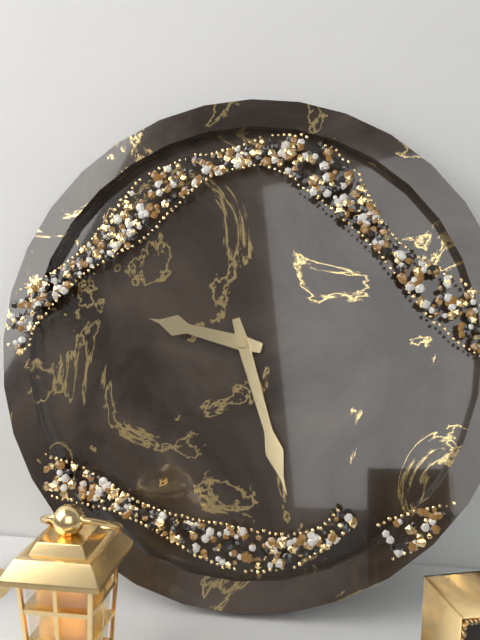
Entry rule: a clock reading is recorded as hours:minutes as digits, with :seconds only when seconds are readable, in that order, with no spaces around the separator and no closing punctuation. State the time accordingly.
9:27
